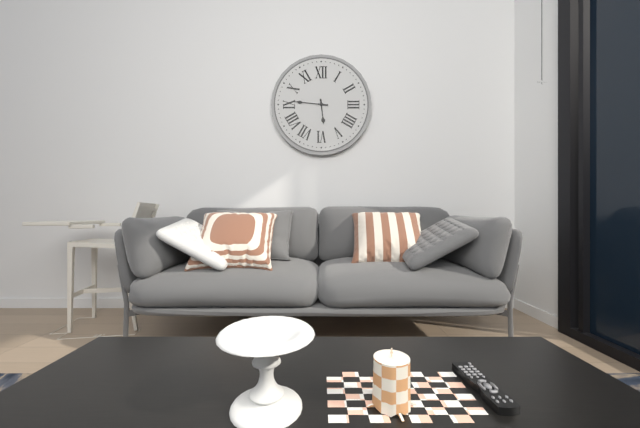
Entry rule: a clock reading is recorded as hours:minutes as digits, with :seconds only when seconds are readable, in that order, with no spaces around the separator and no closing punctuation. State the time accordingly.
5:46
